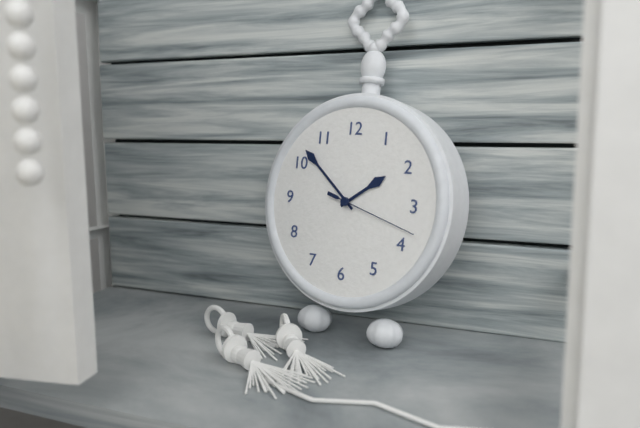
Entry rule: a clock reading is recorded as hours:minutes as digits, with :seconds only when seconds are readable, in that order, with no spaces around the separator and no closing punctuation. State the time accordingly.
1:52:18
